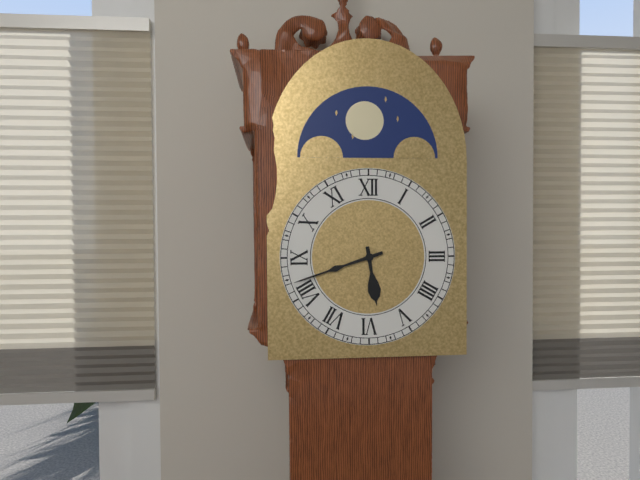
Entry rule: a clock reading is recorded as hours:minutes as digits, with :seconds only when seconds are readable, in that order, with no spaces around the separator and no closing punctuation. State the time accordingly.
5:42
